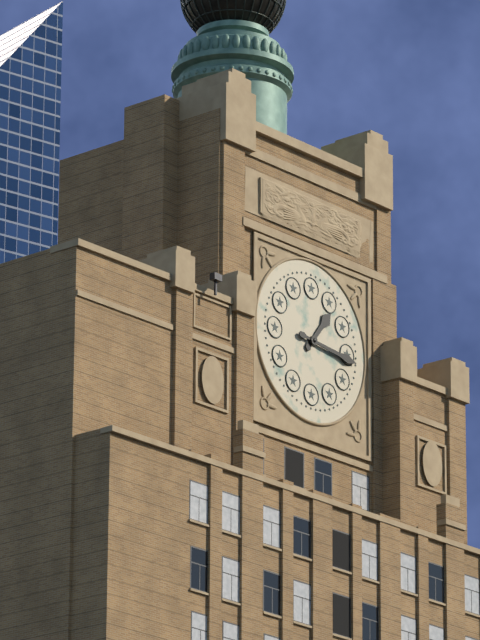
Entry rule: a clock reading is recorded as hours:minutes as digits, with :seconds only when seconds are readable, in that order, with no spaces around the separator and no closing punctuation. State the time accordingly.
1:16
